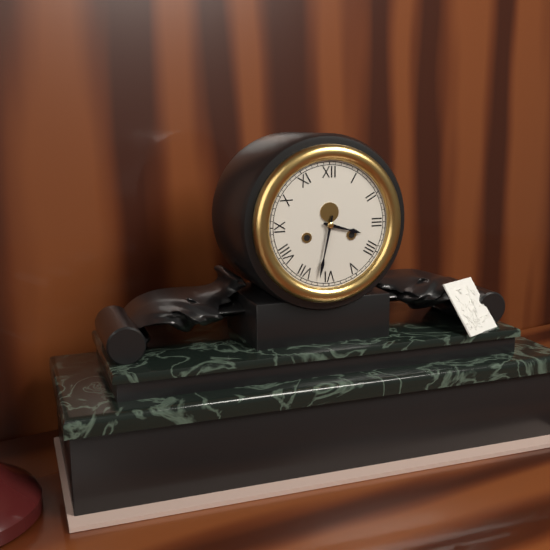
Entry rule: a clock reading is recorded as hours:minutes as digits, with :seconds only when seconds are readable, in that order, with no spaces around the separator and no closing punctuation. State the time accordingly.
3:32
